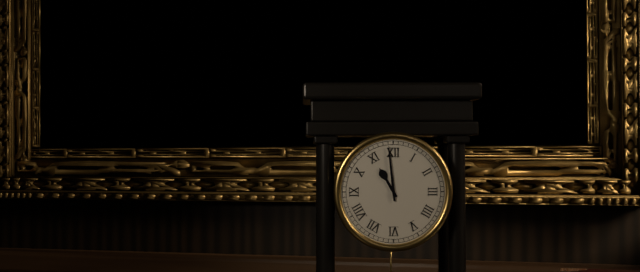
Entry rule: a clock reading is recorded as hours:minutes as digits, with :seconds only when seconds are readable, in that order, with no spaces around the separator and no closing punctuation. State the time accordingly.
10:59
